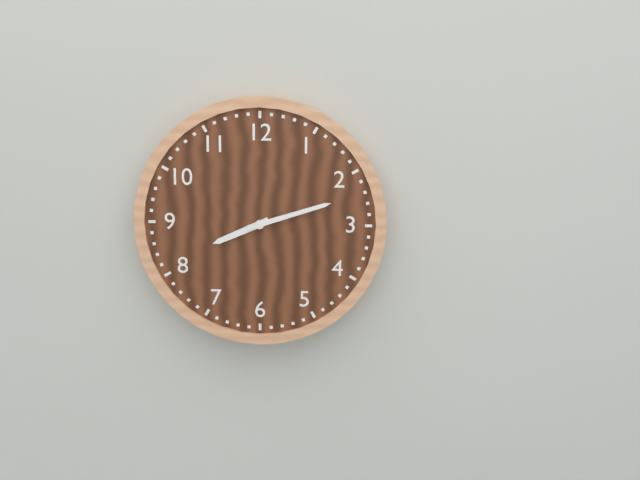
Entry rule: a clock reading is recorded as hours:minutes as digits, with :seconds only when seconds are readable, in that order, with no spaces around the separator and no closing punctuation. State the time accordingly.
8:12
